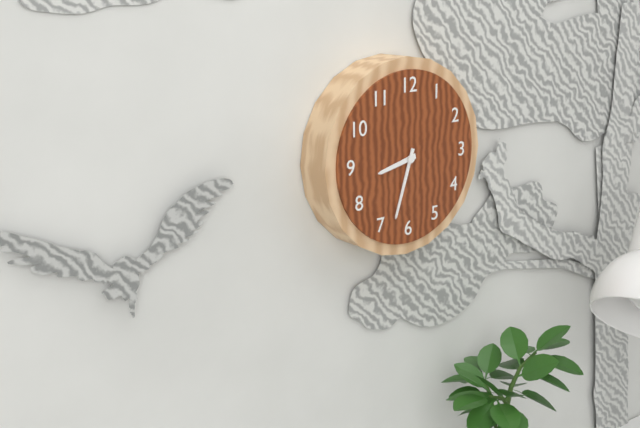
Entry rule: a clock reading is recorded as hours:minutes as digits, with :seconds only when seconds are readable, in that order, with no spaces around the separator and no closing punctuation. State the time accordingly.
8:33
